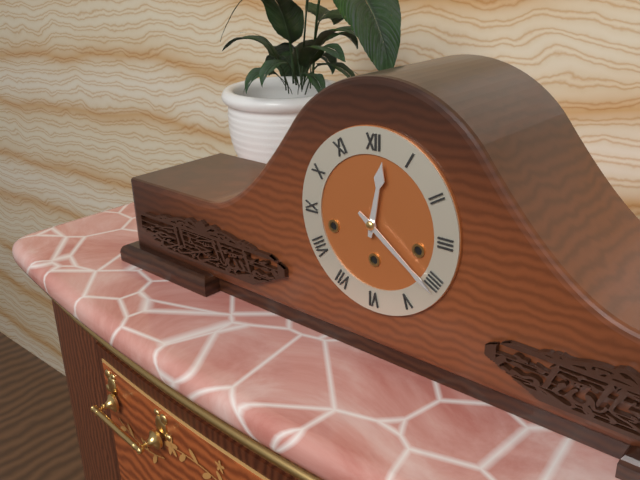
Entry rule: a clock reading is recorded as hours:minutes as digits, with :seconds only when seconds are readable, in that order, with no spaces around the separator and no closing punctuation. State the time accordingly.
12:21
